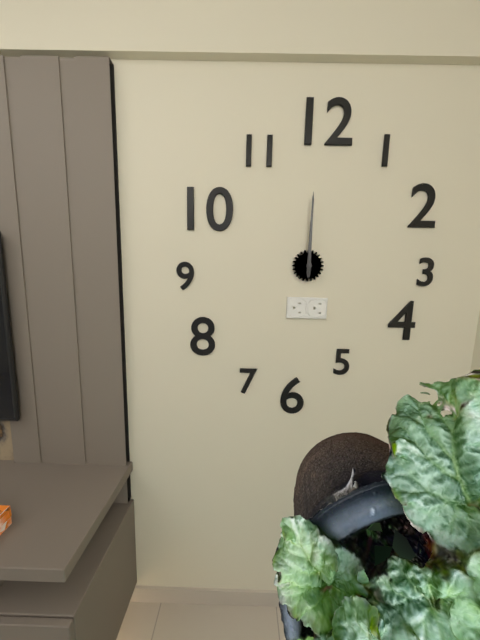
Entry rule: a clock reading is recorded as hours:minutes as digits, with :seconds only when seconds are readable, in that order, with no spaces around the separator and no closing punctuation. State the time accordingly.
12:00
